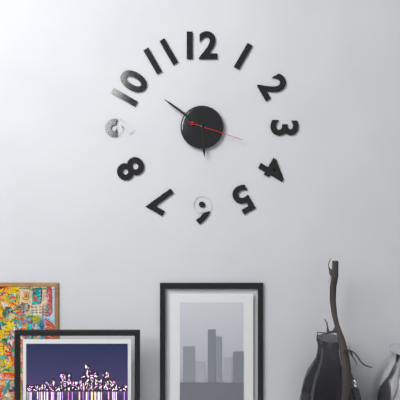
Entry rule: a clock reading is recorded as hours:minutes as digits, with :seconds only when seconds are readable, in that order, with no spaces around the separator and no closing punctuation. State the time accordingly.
5:51:18
